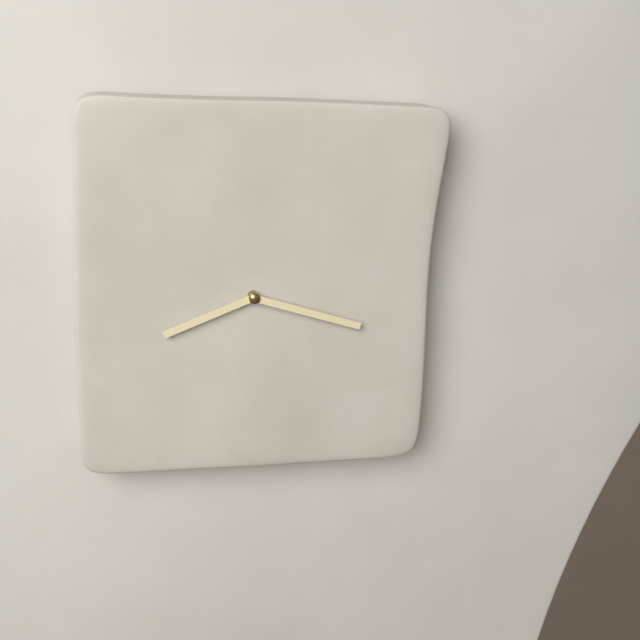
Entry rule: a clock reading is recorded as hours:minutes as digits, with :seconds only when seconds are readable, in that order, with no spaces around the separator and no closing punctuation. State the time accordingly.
8:18
